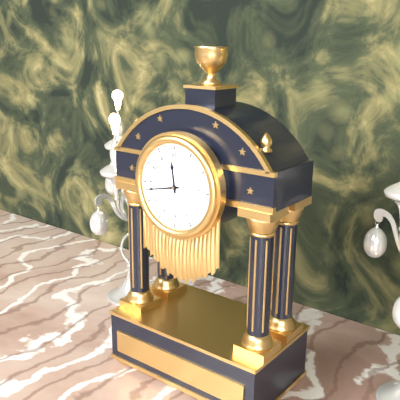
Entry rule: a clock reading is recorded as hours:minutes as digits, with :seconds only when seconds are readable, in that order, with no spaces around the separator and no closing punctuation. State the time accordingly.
11:43
